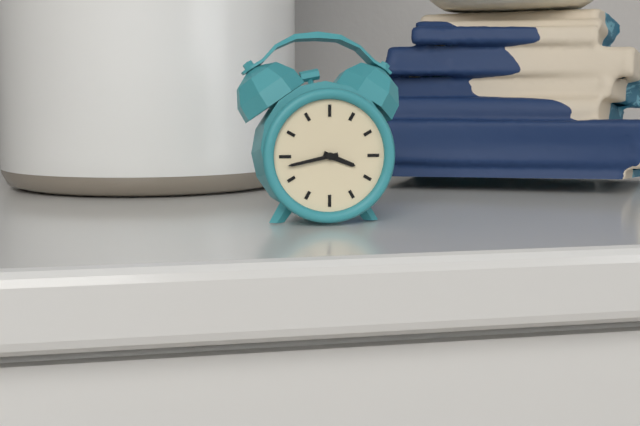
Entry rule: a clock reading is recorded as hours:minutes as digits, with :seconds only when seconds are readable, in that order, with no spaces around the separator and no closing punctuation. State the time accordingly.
3:43
